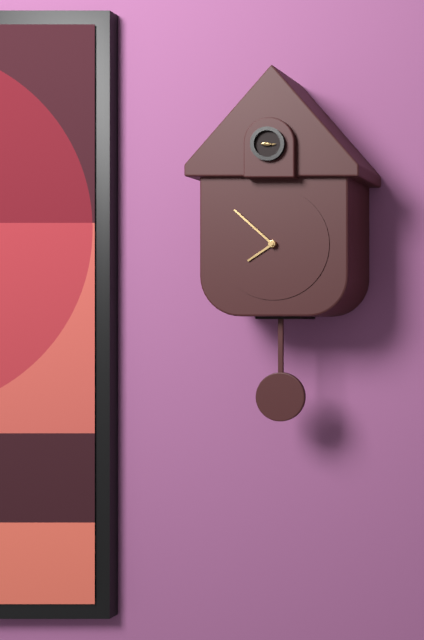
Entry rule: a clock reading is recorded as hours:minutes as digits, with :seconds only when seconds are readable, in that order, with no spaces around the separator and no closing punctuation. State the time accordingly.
7:52
